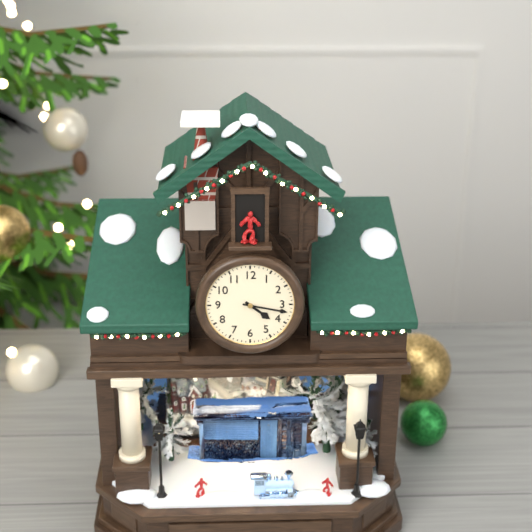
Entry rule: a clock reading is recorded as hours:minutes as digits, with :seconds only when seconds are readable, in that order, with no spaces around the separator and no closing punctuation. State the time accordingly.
4:17
